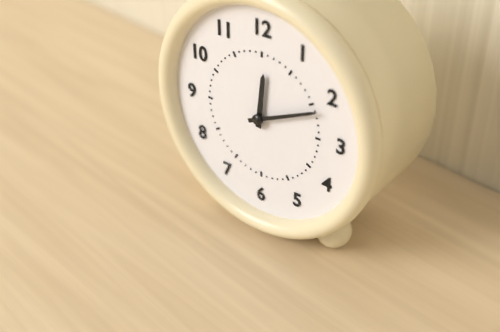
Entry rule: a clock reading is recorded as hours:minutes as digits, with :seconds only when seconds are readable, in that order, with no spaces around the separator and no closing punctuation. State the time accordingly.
12:11
